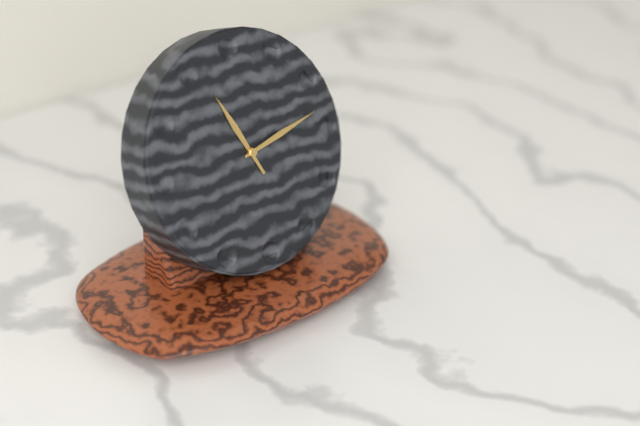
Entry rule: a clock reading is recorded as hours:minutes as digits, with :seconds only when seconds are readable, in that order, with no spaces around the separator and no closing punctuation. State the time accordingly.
11:13
